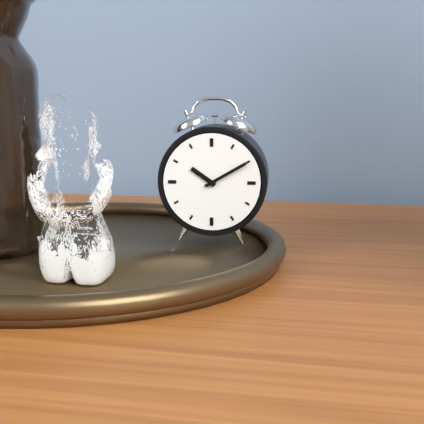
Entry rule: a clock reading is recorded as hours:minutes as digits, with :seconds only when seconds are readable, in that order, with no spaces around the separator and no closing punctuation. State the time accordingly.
10:10
